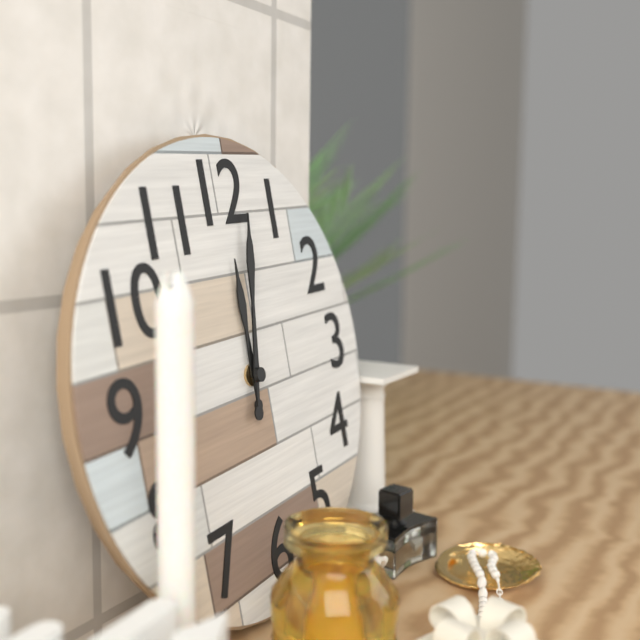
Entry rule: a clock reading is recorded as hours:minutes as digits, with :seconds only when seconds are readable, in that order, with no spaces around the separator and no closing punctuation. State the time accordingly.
12:02
